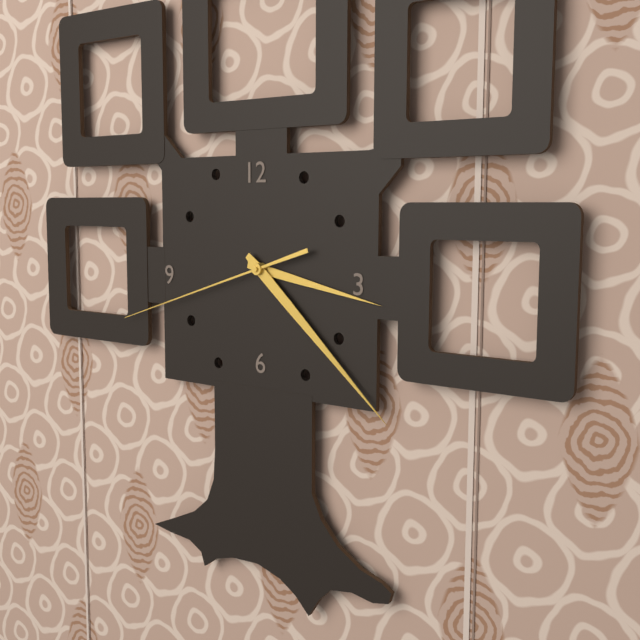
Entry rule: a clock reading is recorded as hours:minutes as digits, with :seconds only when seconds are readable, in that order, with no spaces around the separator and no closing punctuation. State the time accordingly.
3:22:42
